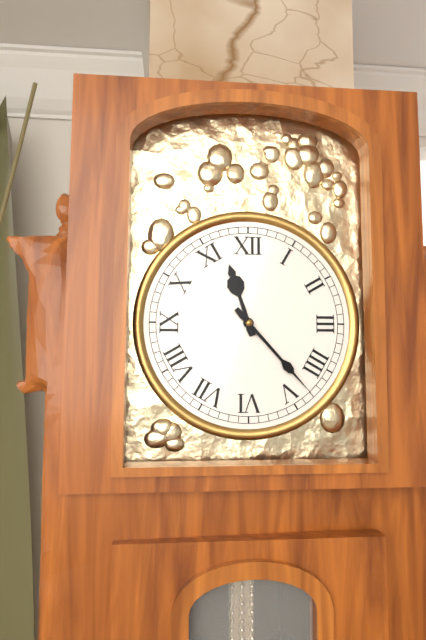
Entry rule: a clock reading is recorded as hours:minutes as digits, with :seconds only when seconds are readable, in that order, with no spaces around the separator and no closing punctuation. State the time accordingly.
11:23
